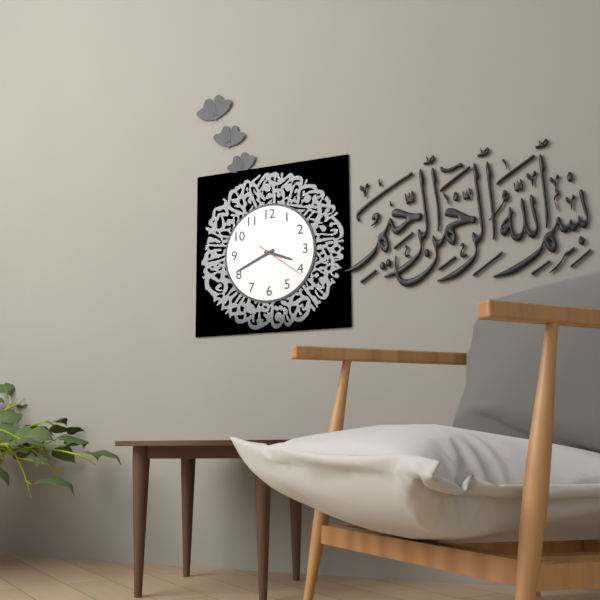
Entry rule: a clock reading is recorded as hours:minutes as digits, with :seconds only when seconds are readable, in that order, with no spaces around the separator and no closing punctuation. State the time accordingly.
3:41
